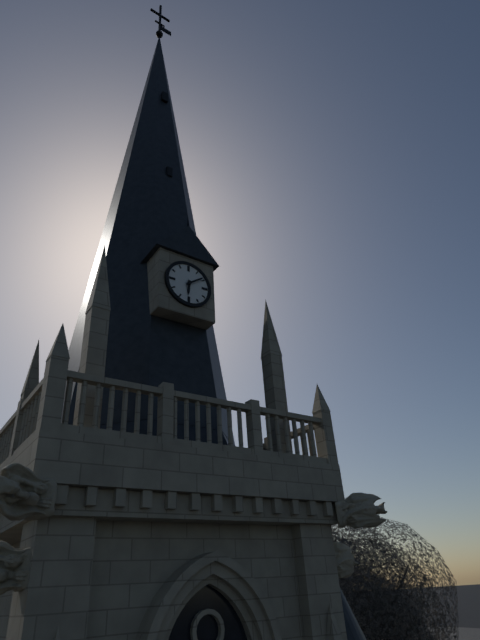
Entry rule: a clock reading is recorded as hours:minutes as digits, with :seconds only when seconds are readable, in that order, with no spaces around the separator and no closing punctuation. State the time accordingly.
6:09
